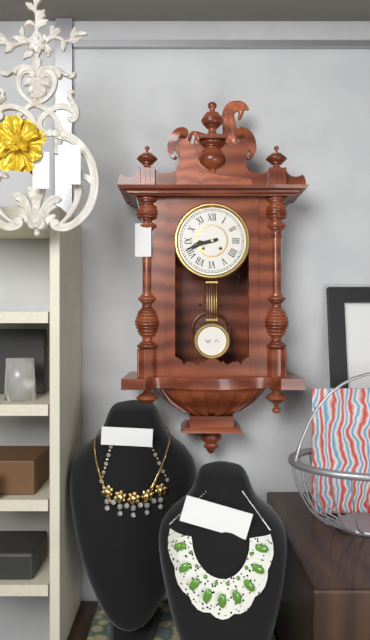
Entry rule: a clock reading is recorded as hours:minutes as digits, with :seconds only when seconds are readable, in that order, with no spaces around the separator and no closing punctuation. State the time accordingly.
8:42
